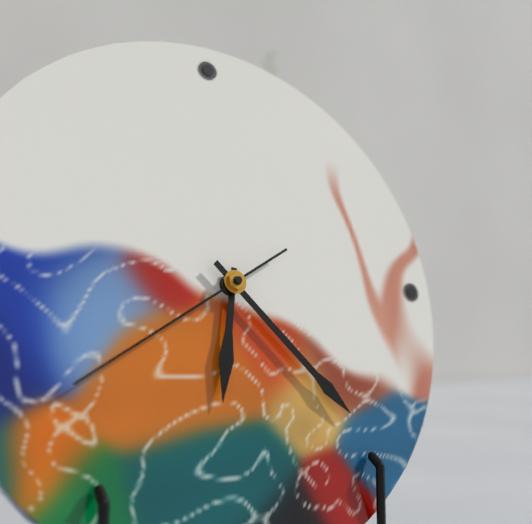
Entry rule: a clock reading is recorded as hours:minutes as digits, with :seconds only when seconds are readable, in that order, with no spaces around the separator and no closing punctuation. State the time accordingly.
6:23:40
